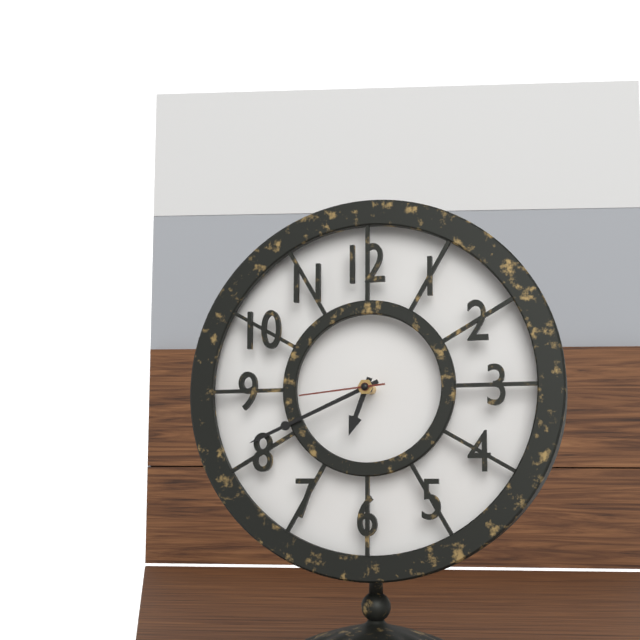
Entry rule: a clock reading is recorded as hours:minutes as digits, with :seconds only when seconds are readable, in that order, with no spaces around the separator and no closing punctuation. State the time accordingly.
6:41:44
